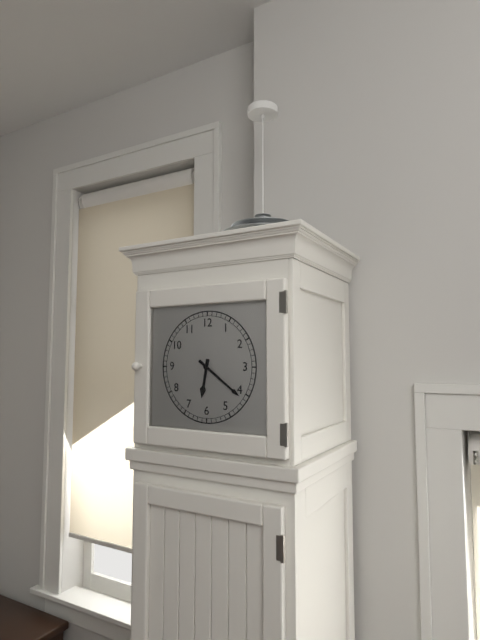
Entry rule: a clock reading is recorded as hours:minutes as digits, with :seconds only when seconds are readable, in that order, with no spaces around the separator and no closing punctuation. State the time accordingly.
6:21
